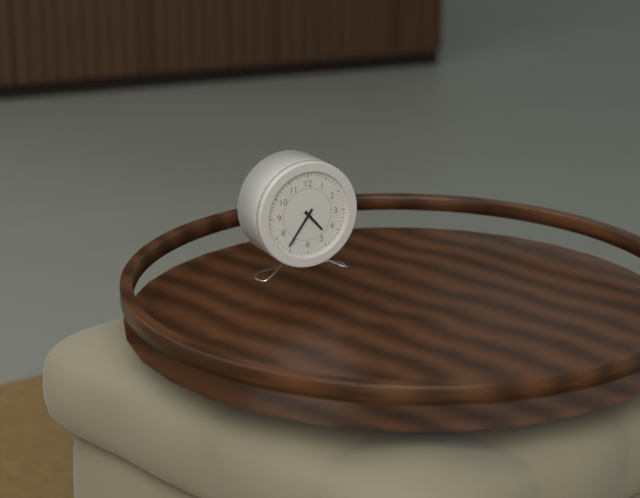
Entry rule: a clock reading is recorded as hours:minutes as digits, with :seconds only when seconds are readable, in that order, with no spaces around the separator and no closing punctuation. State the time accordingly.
4:36
